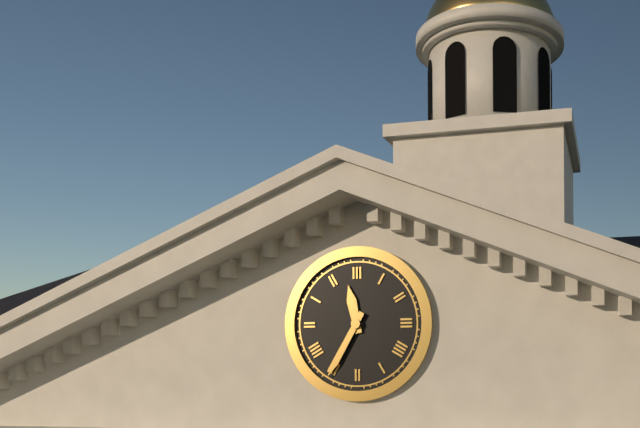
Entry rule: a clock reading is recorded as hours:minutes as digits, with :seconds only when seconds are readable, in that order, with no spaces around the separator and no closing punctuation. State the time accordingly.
11:35
